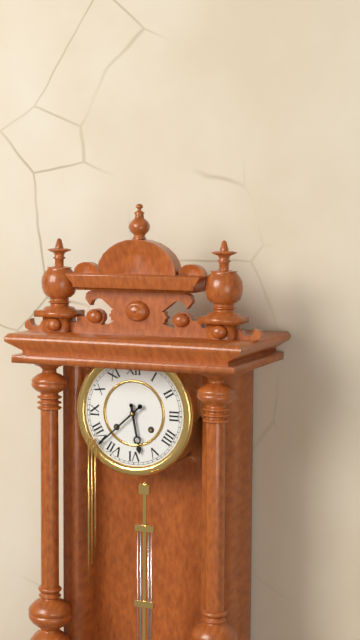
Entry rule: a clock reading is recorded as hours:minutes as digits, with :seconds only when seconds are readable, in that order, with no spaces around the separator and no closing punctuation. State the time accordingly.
5:38
